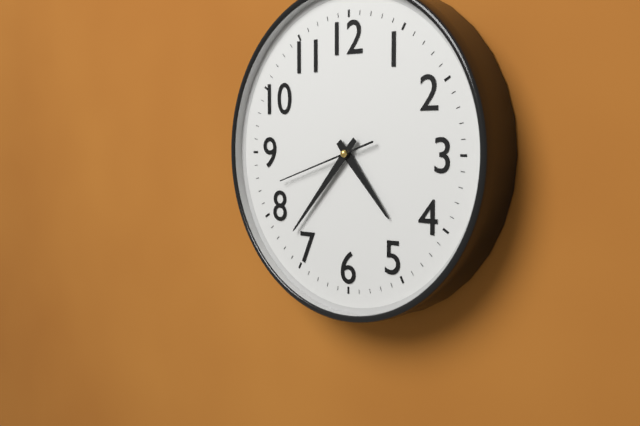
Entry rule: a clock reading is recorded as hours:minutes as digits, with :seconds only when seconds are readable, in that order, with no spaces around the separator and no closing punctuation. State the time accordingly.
4:37:42
